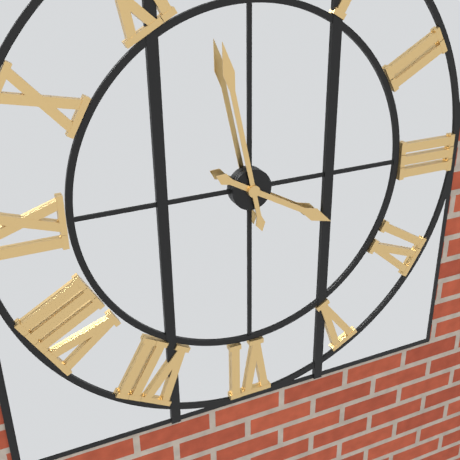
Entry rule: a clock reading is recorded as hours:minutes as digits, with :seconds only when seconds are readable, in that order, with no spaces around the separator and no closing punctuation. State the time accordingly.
3:58
